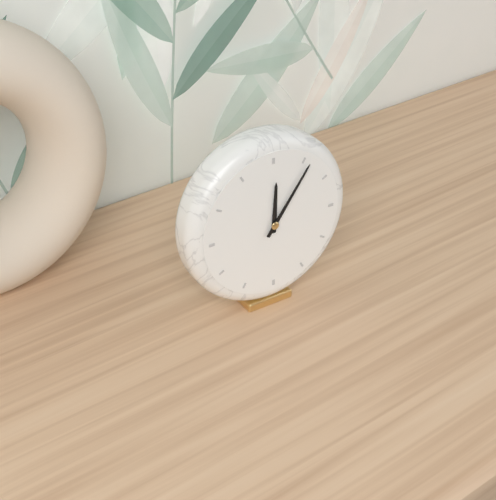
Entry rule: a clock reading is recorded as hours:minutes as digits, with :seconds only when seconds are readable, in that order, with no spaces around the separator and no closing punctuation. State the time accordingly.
12:06
